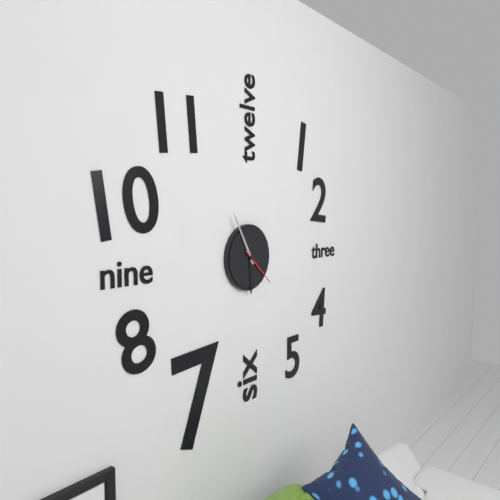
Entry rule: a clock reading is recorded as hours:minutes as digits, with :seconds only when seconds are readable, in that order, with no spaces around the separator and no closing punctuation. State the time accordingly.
5:55
